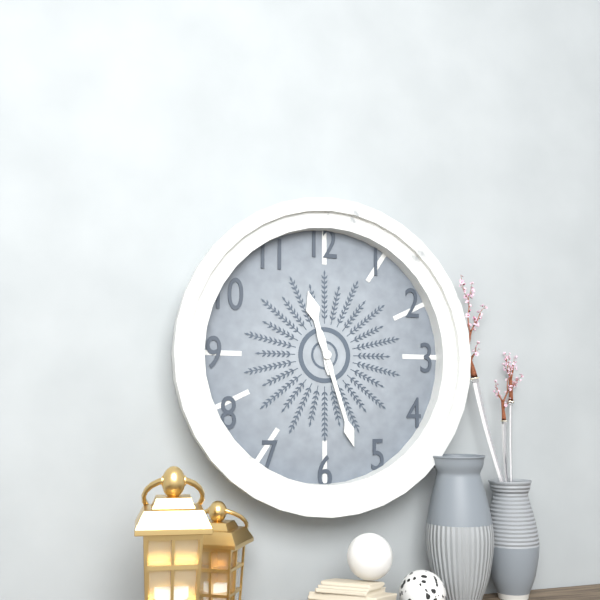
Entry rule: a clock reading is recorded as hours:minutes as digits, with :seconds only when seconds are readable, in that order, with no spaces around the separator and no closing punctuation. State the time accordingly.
11:27
